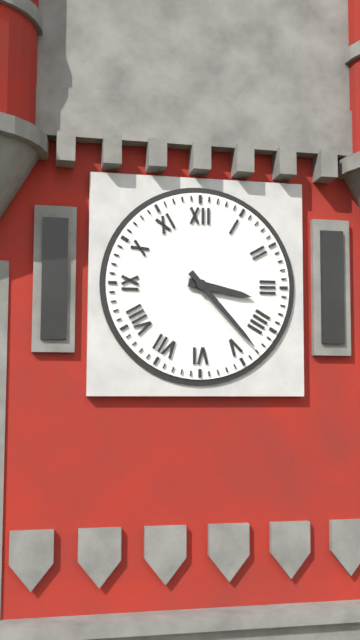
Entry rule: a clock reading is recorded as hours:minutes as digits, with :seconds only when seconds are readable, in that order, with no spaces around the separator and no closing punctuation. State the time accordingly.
3:23
